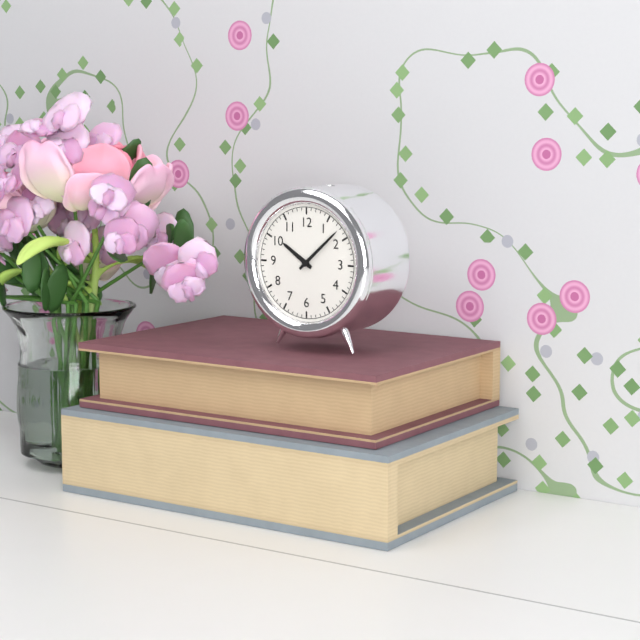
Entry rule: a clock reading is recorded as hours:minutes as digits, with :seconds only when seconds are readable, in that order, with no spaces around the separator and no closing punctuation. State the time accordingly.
10:08
